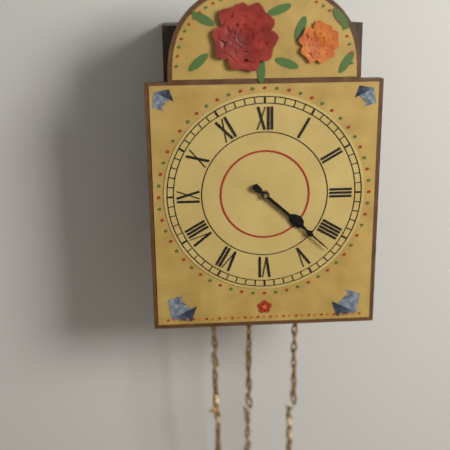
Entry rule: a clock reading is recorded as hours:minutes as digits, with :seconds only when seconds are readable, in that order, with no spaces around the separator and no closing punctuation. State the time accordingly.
4:22
